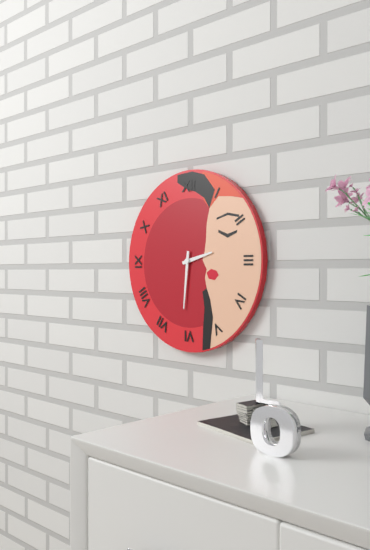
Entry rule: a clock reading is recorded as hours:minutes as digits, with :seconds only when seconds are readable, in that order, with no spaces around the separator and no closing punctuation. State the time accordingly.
2:31
